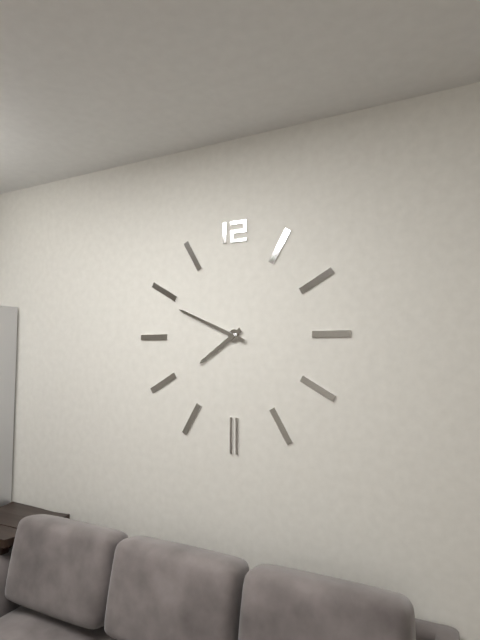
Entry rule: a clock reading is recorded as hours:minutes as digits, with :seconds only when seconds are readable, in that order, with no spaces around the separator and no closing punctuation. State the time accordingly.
7:49
